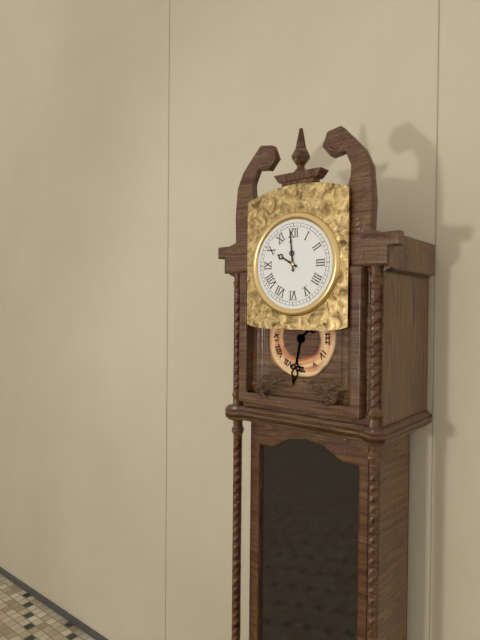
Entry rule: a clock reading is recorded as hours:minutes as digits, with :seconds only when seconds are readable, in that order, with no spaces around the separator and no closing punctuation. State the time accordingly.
9:59
